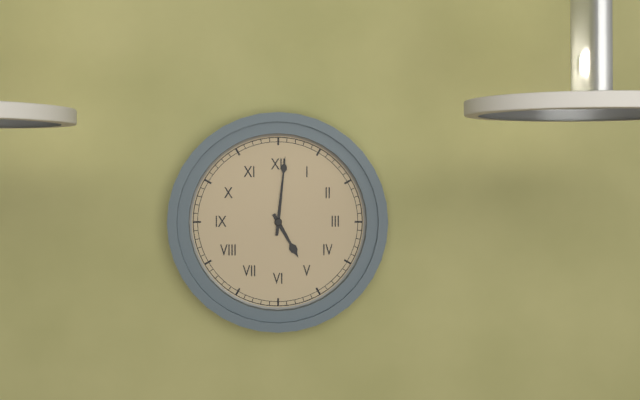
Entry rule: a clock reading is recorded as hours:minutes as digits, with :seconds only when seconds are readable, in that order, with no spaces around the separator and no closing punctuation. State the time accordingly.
5:01
